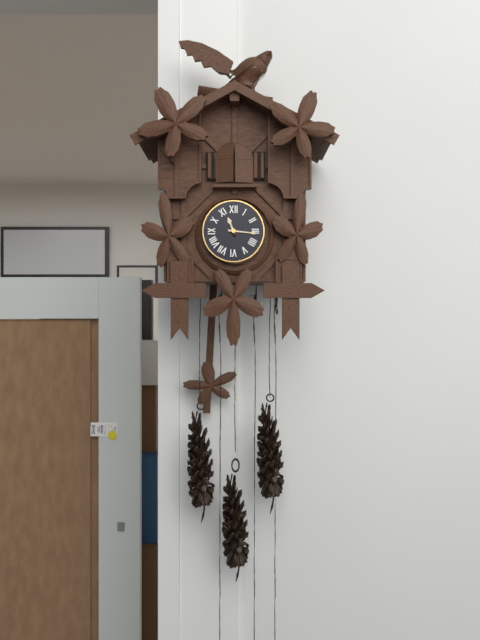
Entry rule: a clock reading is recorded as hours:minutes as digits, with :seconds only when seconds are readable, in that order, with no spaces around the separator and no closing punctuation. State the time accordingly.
11:16
